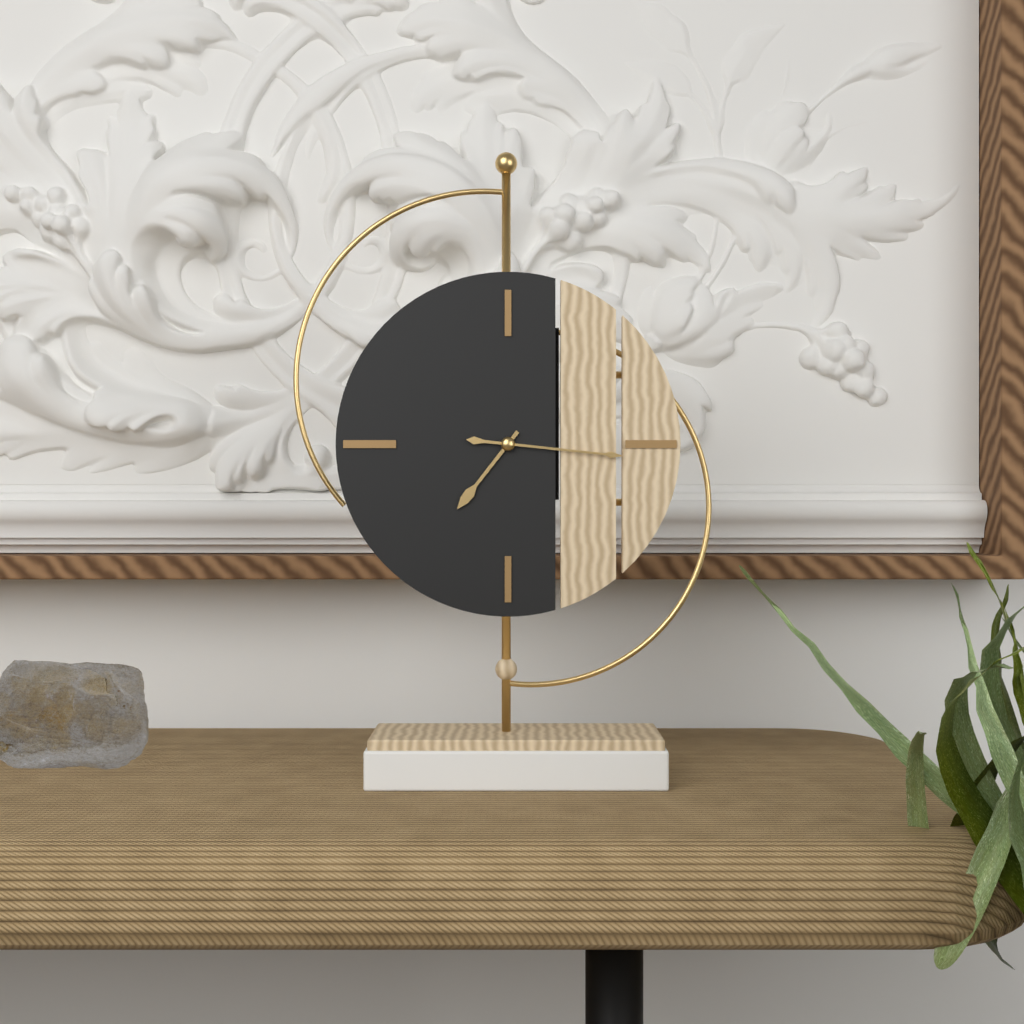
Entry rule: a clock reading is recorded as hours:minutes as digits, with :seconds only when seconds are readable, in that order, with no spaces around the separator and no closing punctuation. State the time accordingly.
7:16
